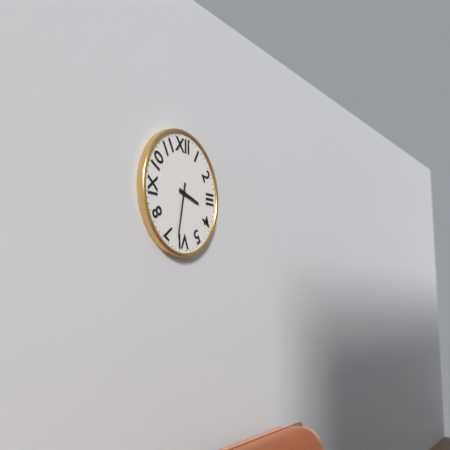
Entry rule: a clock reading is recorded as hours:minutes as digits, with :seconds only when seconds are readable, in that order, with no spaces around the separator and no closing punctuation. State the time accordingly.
3:32
